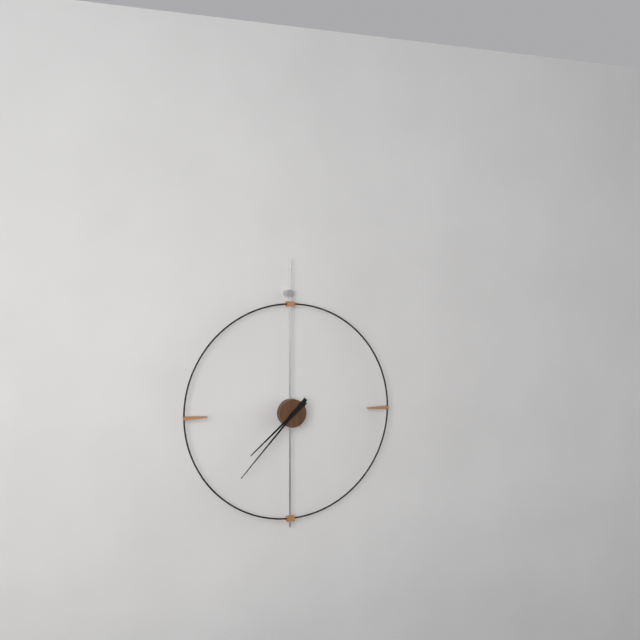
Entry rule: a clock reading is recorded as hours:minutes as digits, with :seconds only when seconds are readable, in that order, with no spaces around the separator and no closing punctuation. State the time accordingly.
7:37
